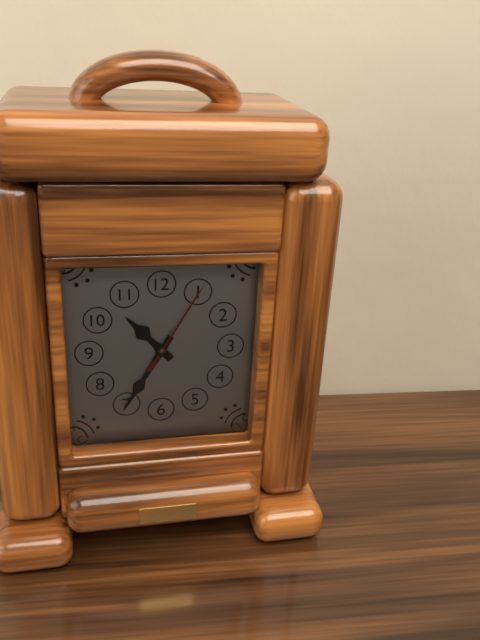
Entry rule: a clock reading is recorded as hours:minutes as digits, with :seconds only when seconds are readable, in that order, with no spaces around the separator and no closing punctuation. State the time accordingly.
10:35:05
